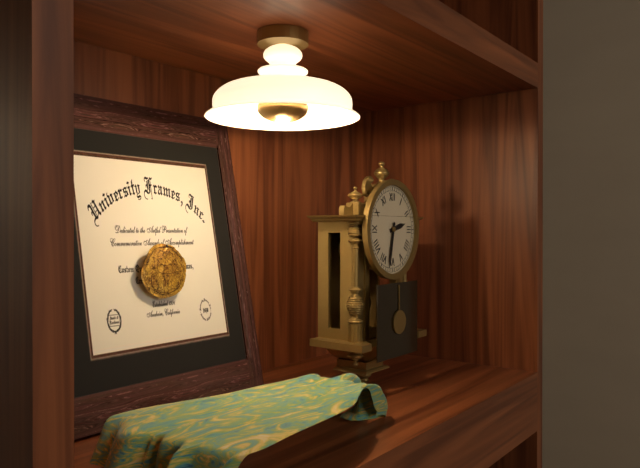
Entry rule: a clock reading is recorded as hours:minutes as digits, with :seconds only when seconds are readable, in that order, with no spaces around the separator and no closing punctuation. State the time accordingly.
2:32
